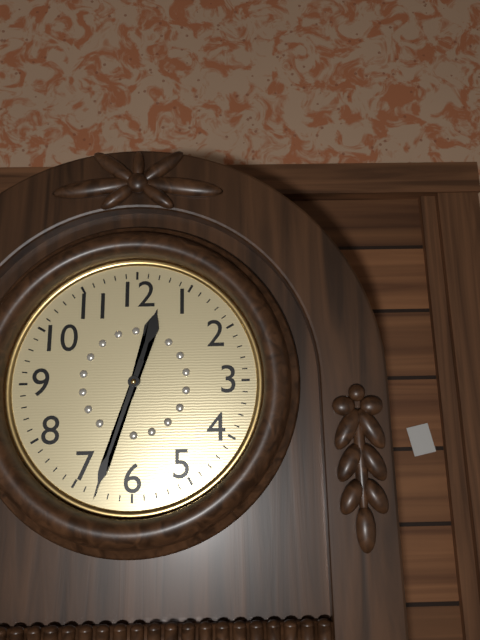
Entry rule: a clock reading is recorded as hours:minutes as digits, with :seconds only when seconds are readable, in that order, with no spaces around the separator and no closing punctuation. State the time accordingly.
12:33
